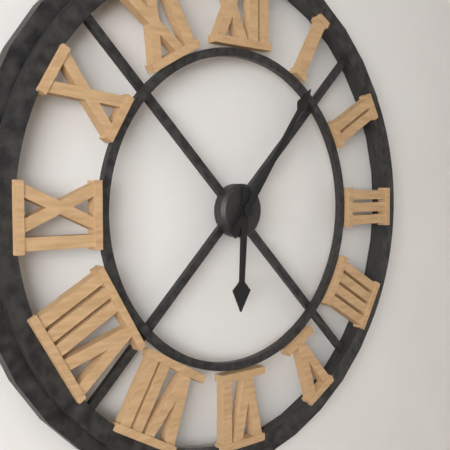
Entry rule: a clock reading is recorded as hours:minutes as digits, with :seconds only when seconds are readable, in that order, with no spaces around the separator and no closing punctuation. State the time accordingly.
6:06
